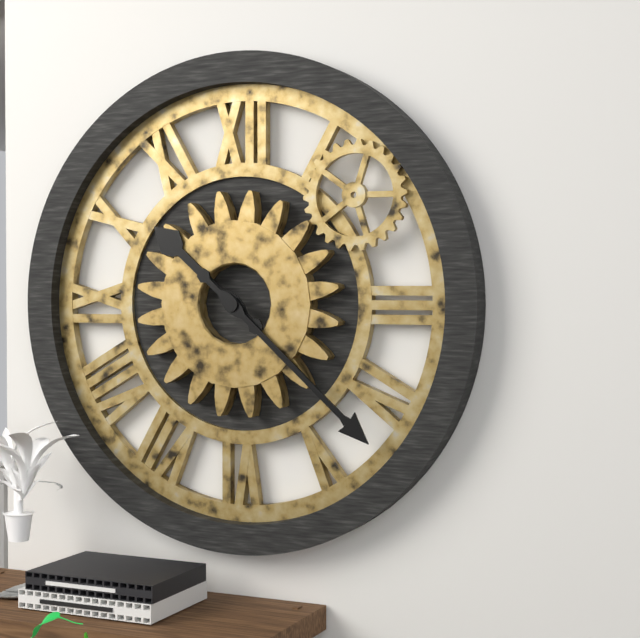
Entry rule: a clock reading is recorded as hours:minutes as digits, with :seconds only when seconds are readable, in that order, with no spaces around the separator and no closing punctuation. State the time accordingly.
10:22
